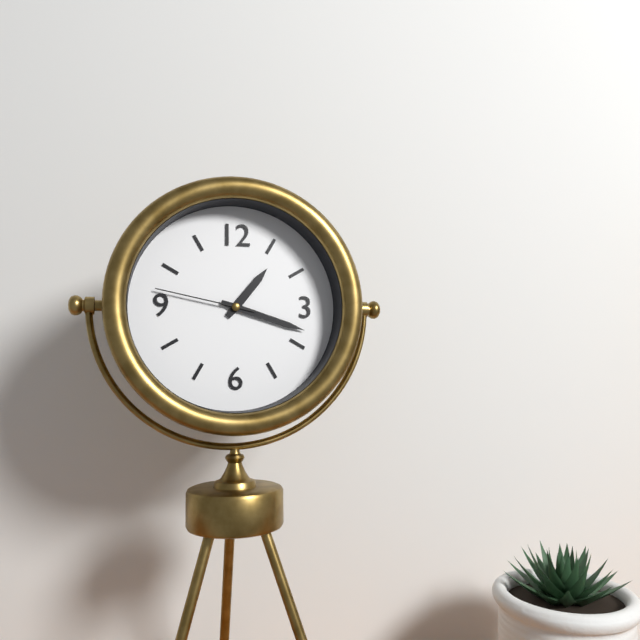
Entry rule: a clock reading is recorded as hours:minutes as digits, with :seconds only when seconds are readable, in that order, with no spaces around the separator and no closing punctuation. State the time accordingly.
1:18:47
